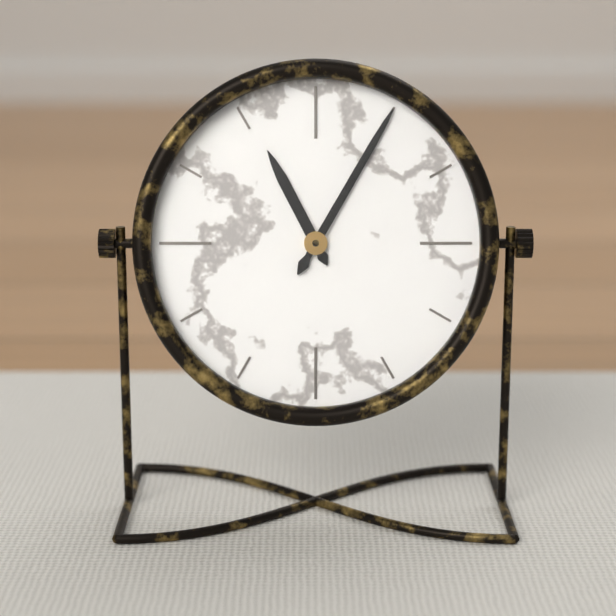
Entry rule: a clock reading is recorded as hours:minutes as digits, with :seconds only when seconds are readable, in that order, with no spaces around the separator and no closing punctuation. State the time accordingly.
11:05
